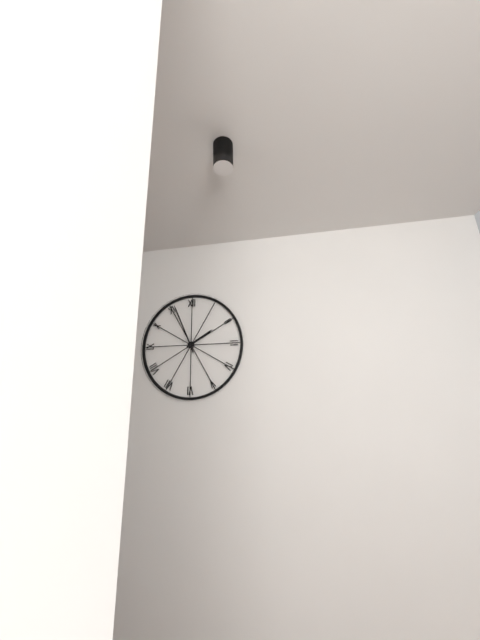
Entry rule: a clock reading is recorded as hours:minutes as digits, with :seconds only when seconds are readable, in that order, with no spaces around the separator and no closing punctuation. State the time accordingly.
1:56
